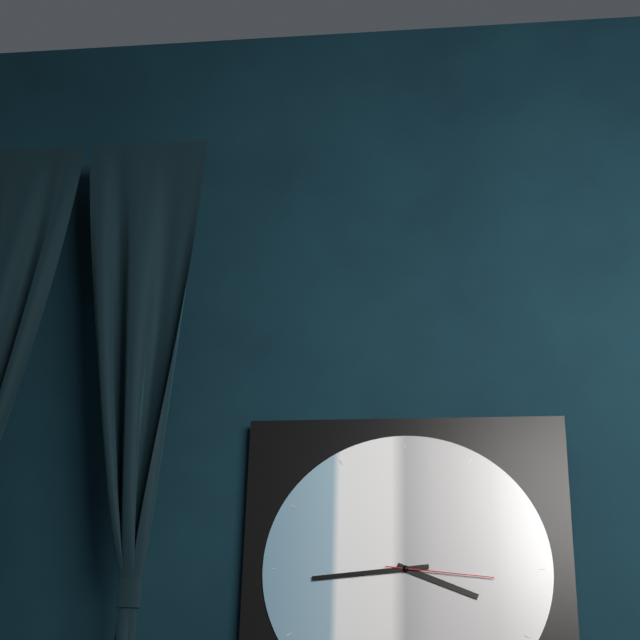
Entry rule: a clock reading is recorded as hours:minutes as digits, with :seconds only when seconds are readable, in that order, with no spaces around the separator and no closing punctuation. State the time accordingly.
3:44:16
